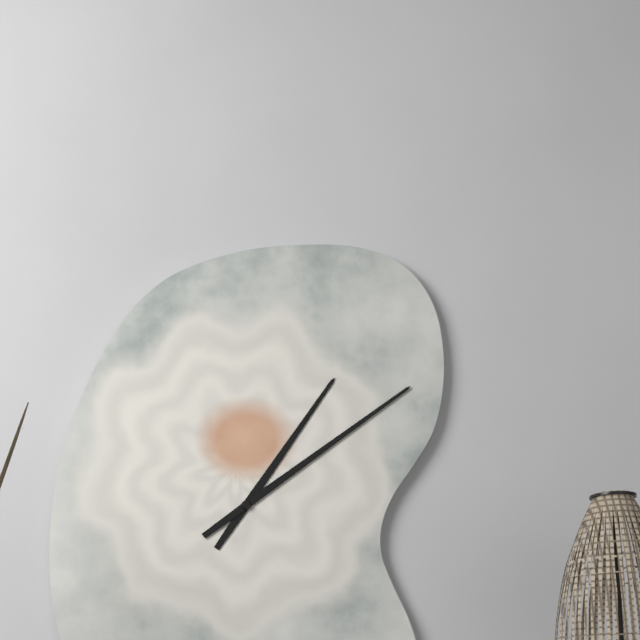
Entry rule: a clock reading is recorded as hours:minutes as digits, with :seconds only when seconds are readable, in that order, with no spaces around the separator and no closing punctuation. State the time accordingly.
1:09
